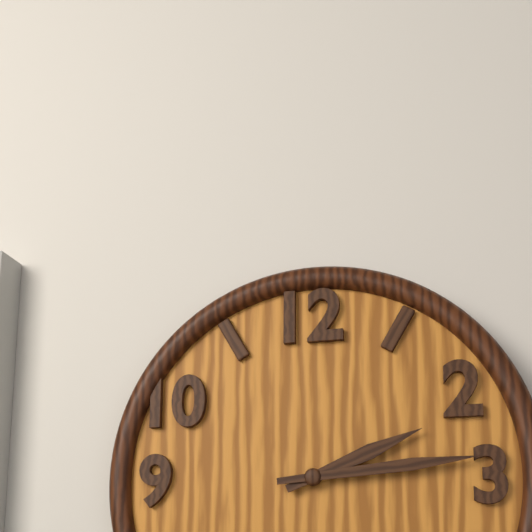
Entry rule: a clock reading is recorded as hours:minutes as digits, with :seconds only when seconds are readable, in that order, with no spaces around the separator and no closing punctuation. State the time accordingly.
2:14
